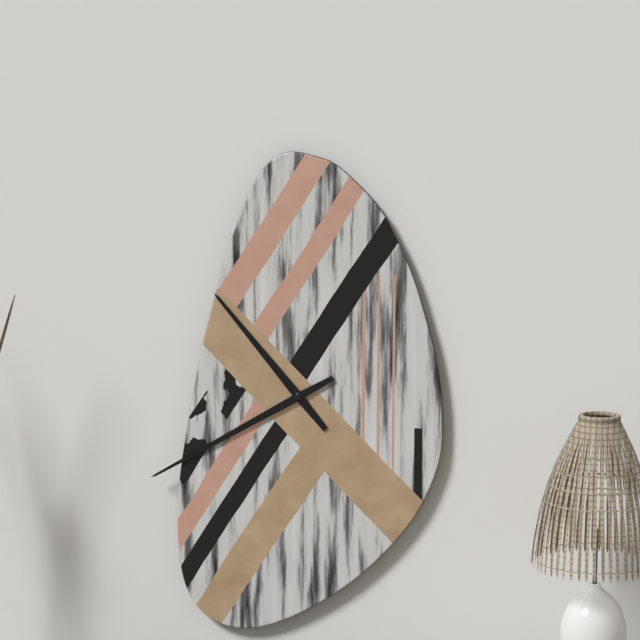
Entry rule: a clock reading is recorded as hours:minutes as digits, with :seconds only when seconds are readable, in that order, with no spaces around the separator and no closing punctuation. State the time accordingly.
10:40
